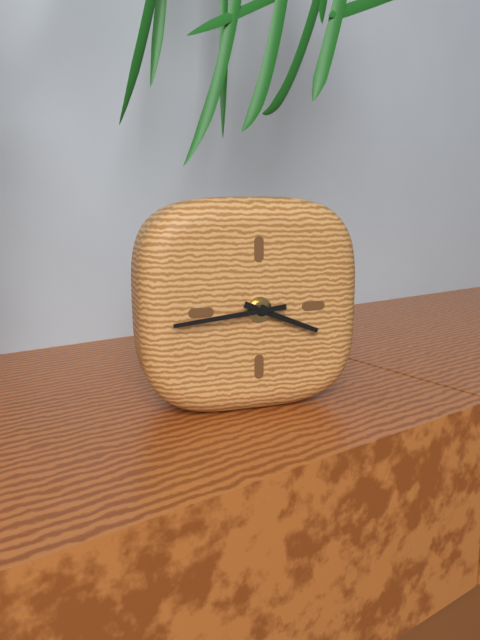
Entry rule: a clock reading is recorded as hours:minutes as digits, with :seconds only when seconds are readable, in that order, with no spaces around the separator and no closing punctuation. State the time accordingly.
3:44
